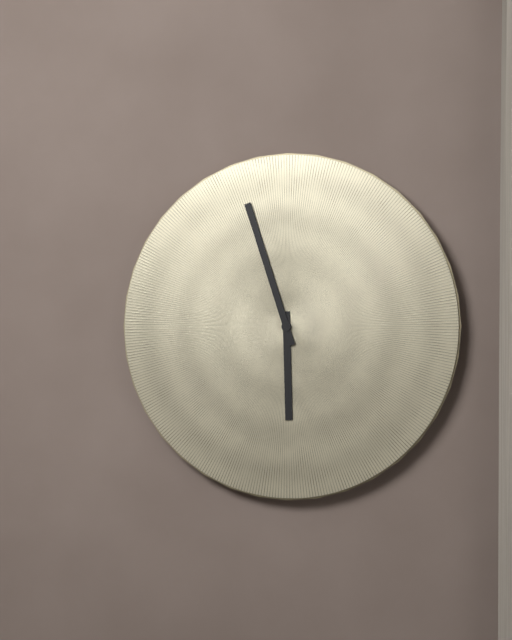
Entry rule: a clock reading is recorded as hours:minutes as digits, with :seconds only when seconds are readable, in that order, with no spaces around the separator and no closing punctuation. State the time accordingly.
5:57
